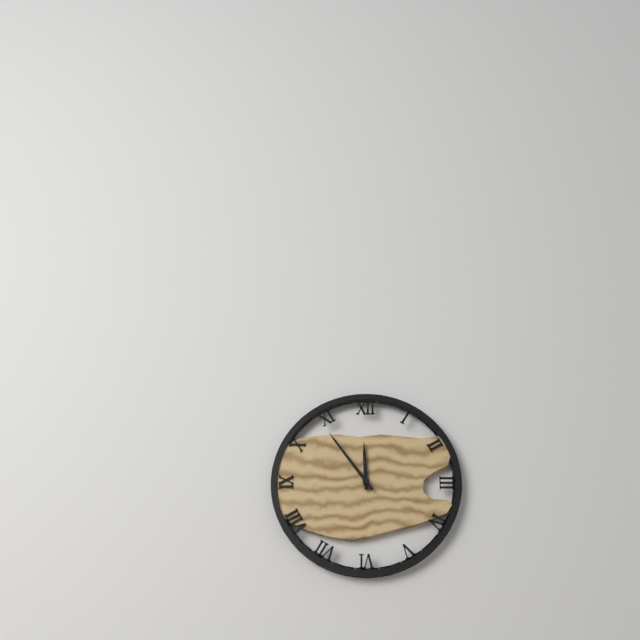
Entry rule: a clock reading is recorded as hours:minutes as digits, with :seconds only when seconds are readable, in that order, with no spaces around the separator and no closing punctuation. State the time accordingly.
11:54
